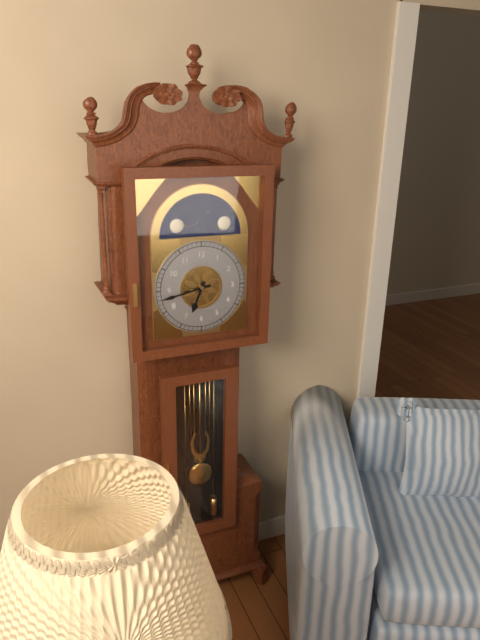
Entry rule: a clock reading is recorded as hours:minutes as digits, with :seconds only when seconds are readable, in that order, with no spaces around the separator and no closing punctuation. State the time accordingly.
6:43
